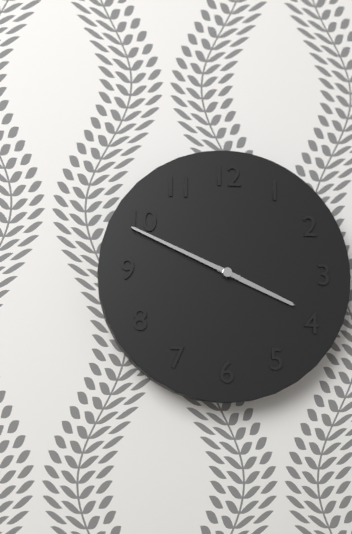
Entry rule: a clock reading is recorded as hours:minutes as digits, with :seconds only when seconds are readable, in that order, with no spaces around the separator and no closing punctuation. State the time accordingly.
3:49
